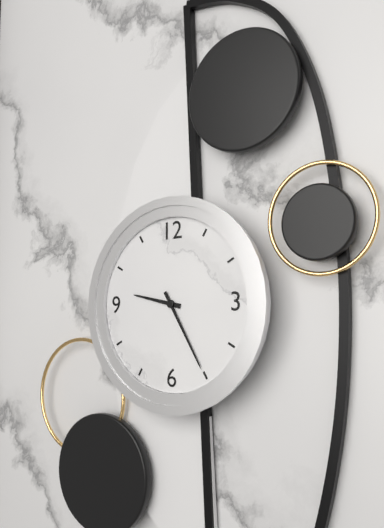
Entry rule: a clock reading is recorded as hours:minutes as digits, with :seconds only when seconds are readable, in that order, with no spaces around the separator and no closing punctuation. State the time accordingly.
9:25
